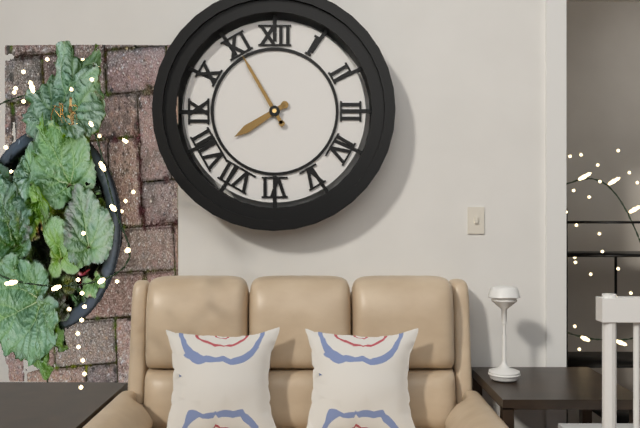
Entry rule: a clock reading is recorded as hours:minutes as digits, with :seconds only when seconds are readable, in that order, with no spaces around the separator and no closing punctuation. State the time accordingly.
7:55
